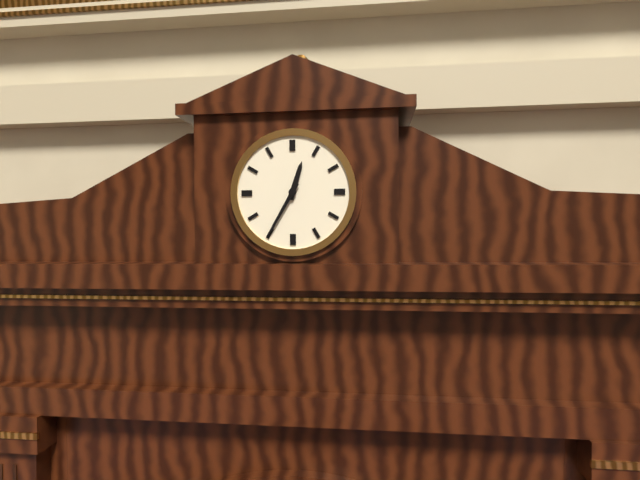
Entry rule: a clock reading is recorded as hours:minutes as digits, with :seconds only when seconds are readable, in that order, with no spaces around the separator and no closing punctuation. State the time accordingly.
12:35
